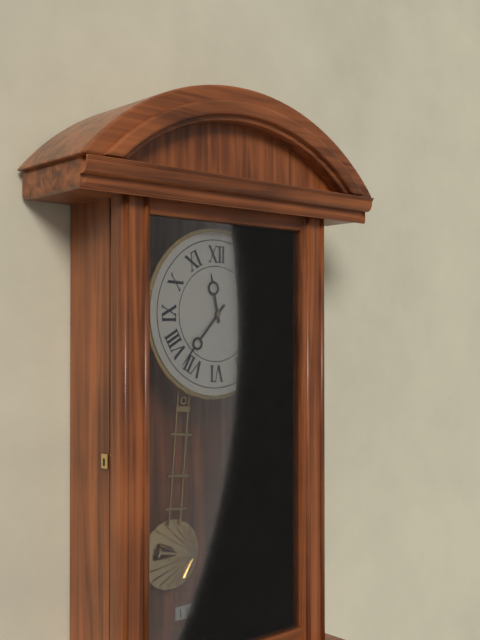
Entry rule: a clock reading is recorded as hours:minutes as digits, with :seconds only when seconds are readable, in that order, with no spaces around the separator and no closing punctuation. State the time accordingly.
11:37
